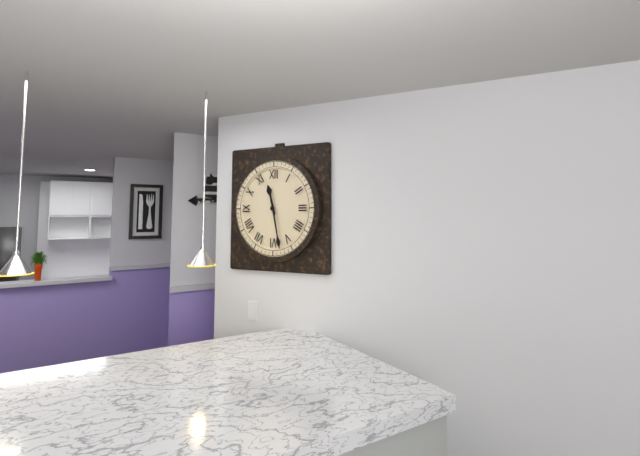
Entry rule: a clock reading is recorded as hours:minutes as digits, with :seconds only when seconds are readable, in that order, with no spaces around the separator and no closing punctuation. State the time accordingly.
11:28
